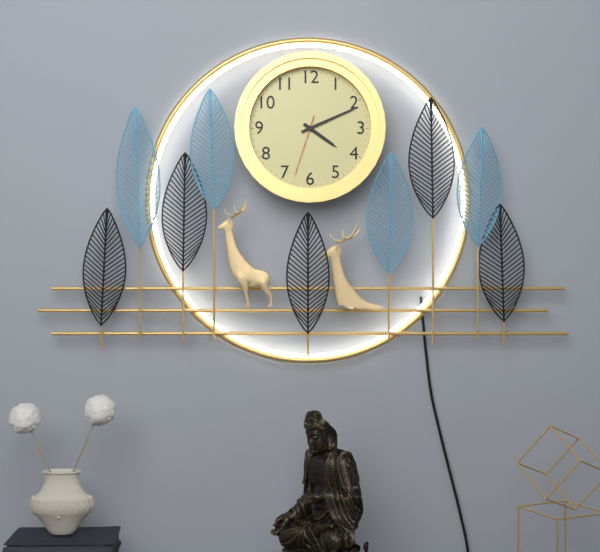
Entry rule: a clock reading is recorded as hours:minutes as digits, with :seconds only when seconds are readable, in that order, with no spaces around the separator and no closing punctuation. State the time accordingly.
4:11:33
